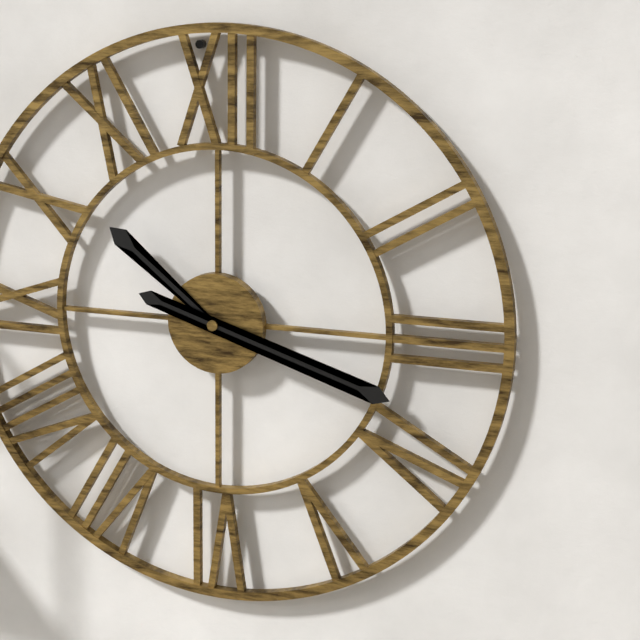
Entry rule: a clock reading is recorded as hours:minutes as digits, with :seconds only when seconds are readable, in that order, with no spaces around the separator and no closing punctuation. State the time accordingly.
10:18
